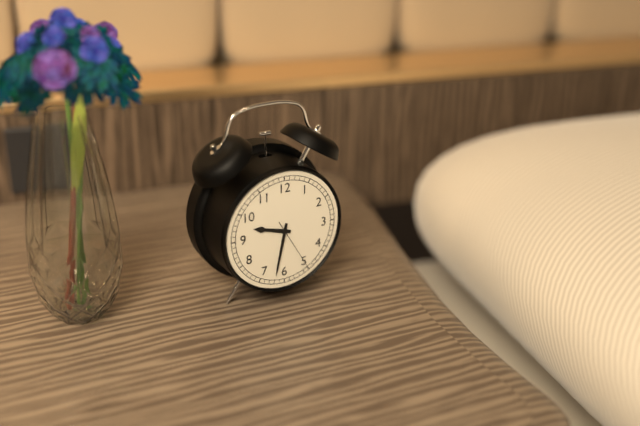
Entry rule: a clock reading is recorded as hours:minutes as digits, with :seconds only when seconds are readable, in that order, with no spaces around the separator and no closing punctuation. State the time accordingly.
9:32:25
